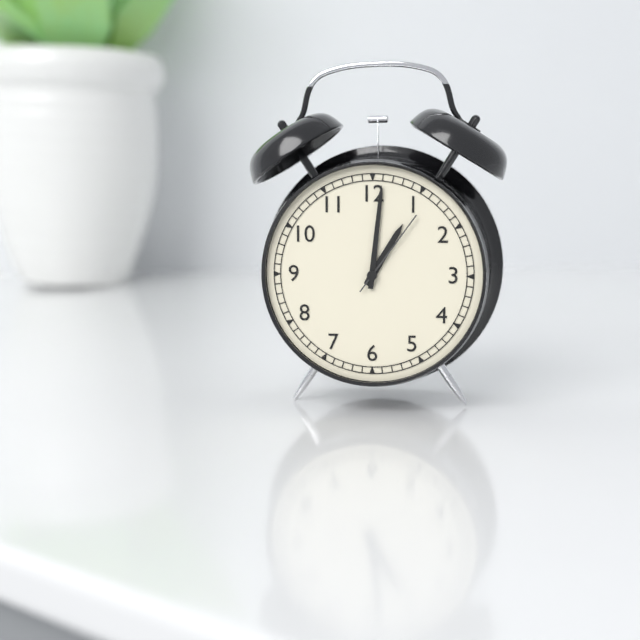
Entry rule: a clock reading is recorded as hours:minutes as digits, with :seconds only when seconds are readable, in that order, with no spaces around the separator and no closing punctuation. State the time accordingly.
1:01:06
